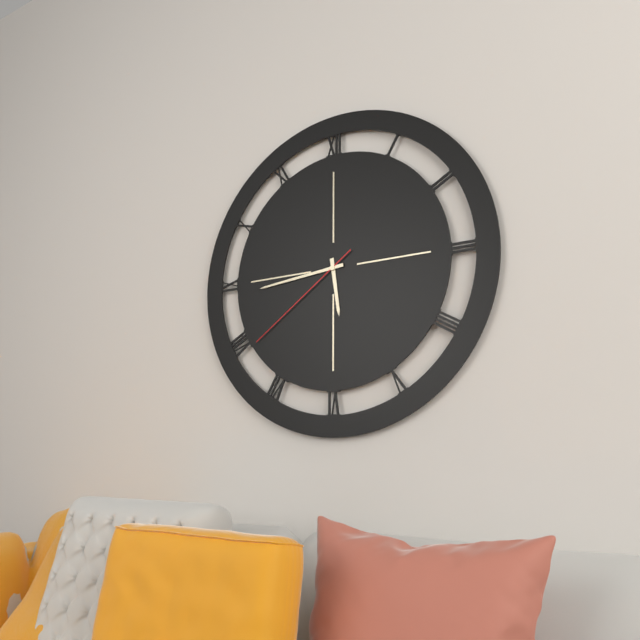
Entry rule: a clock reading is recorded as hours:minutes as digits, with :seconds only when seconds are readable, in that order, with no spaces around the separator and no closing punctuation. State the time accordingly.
5:44:39
